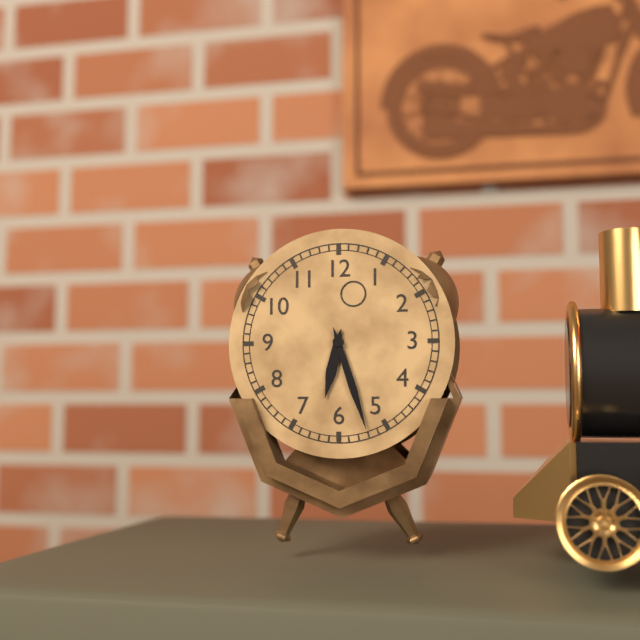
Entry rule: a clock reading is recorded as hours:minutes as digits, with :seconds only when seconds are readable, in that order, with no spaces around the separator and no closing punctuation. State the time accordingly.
6:27
